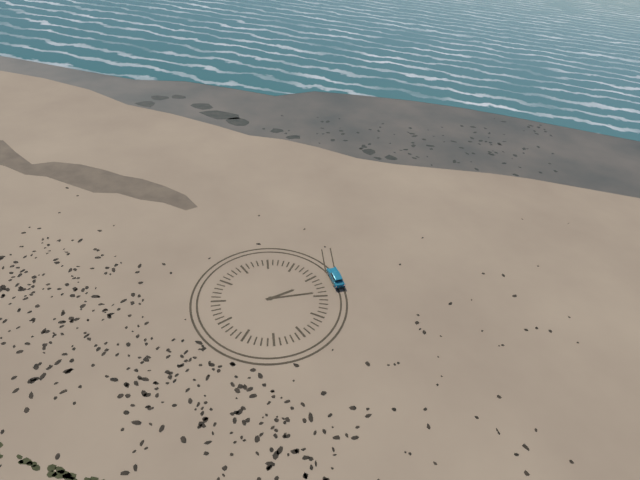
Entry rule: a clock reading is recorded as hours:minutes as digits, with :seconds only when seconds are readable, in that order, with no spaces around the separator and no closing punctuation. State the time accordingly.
2:14
